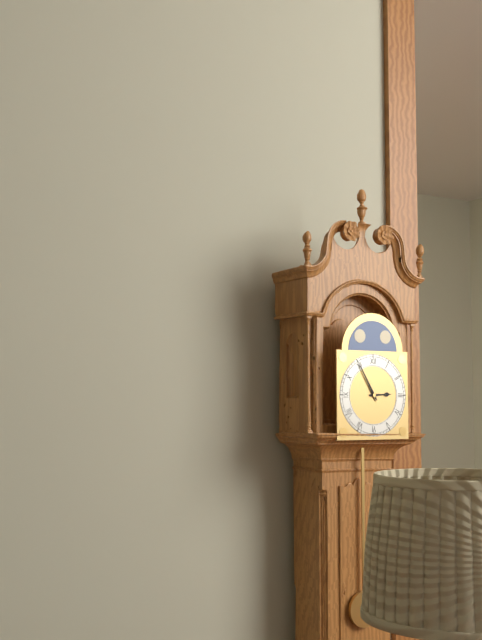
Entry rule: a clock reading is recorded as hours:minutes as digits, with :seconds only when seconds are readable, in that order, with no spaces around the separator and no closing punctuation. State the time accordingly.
2:55
